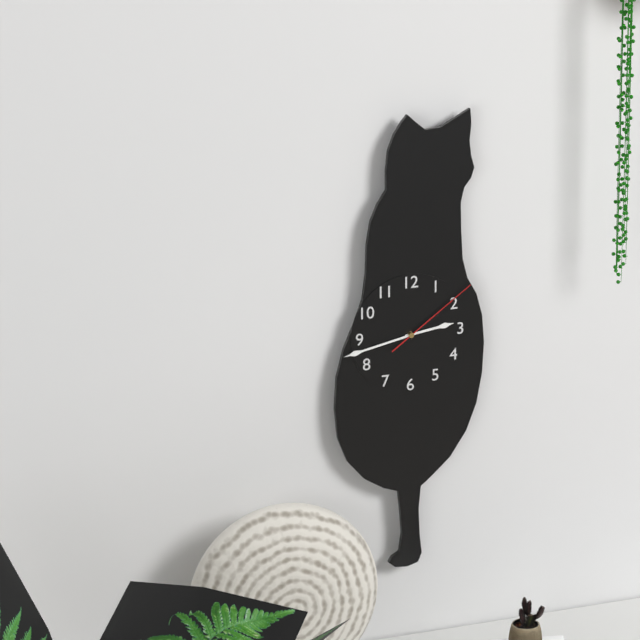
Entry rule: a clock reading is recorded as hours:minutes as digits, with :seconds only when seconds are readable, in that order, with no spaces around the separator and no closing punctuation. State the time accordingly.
2:43:09
